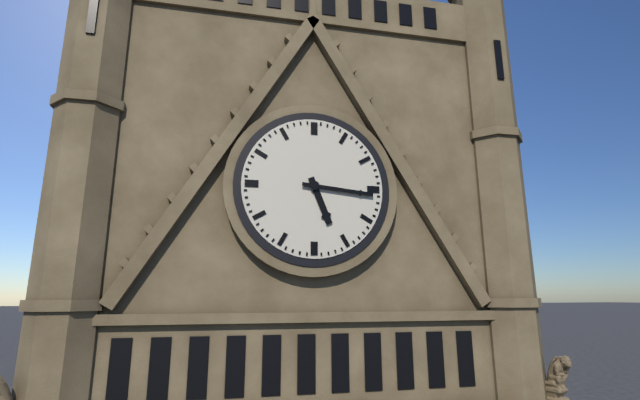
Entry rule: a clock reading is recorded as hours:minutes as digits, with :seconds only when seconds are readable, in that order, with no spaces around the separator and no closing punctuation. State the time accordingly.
5:16
